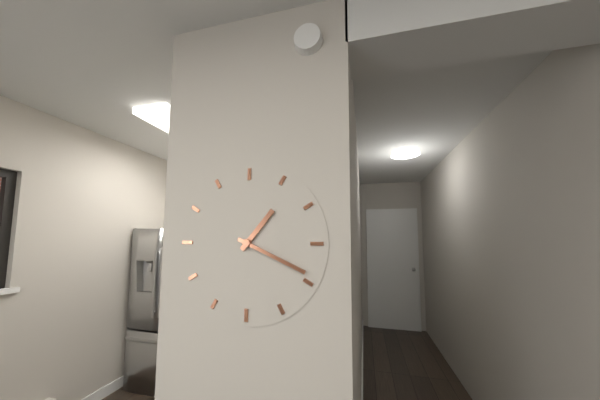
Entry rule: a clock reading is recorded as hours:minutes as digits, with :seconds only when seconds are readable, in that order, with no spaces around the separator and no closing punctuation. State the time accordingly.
1:19
